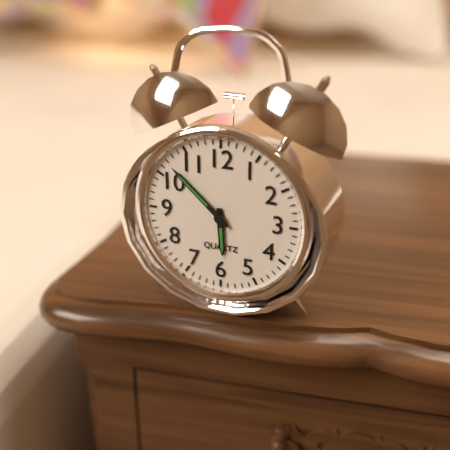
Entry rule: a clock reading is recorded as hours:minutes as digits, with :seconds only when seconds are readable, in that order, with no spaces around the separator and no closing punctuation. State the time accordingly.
5:52
